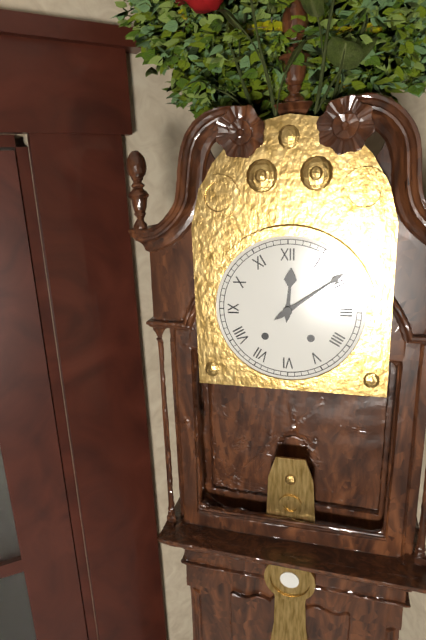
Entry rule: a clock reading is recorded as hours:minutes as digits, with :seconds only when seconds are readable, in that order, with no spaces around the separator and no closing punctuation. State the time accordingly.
12:09
